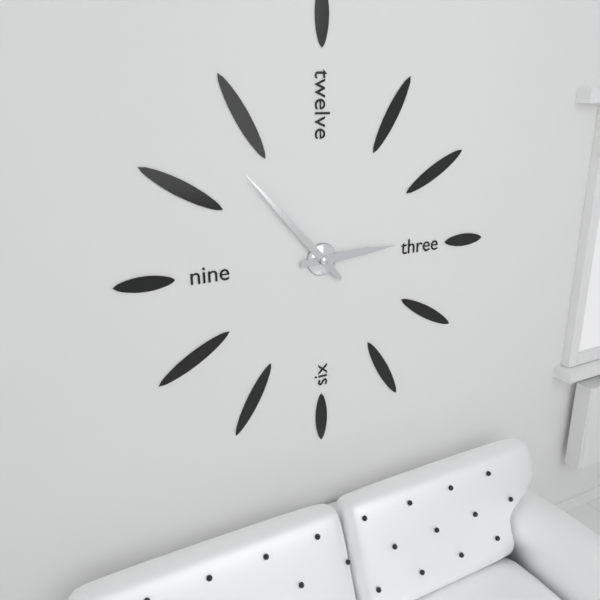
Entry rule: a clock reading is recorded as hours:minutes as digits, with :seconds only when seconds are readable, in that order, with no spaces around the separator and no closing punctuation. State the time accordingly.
2:53
